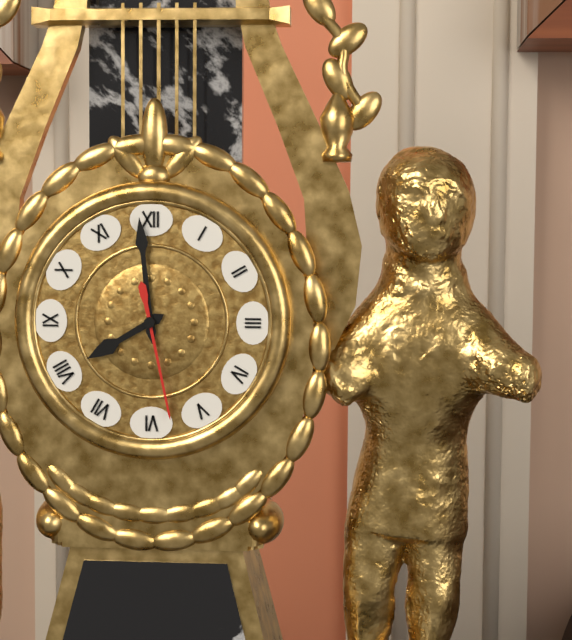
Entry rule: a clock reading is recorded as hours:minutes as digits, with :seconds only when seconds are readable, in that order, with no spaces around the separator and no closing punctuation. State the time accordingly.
7:59:28
